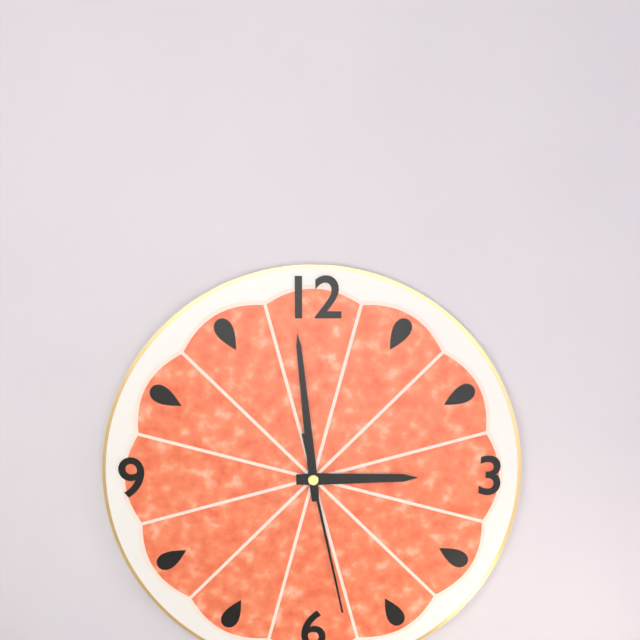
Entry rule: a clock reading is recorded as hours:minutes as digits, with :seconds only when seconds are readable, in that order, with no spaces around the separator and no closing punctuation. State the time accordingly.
2:59:28
